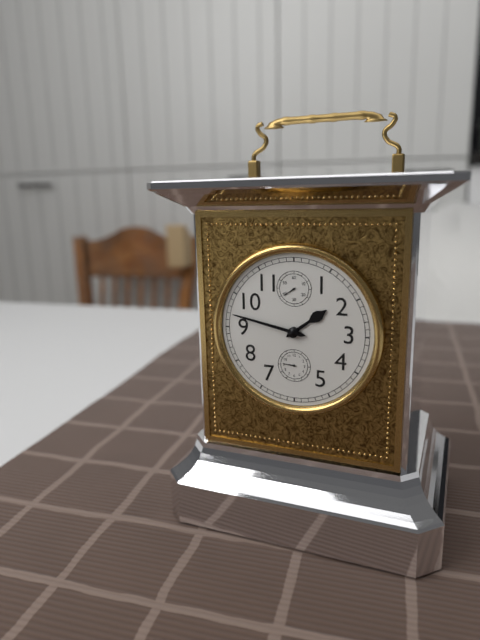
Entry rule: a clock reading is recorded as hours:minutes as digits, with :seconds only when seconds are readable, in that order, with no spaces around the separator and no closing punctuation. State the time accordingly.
1:47
